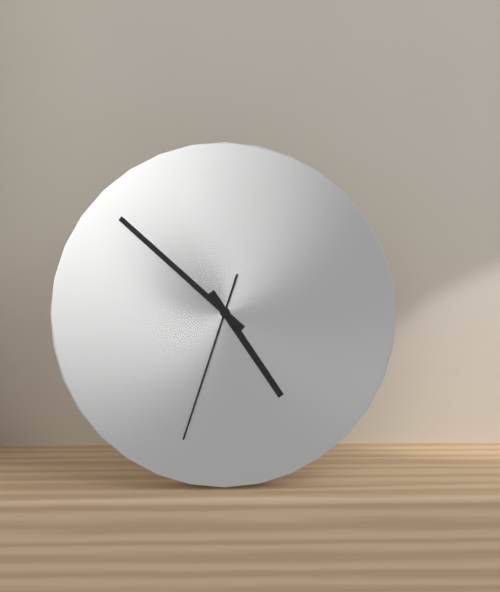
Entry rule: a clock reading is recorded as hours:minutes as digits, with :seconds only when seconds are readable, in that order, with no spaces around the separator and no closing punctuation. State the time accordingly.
4:52:33
